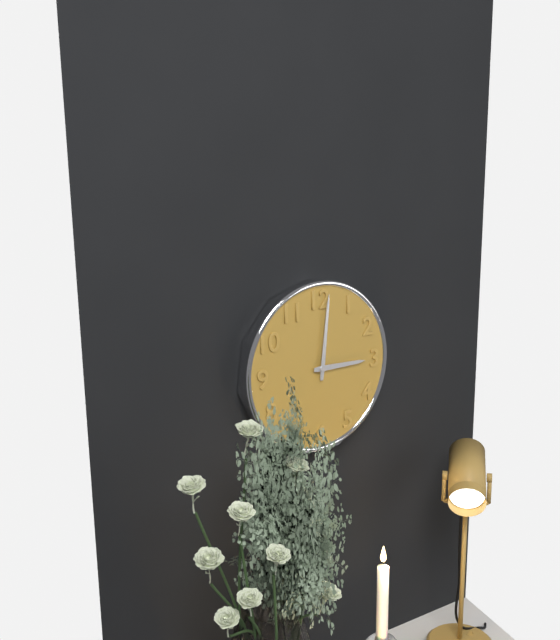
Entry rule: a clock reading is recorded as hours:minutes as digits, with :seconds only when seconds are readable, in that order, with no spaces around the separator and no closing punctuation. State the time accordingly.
3:01
